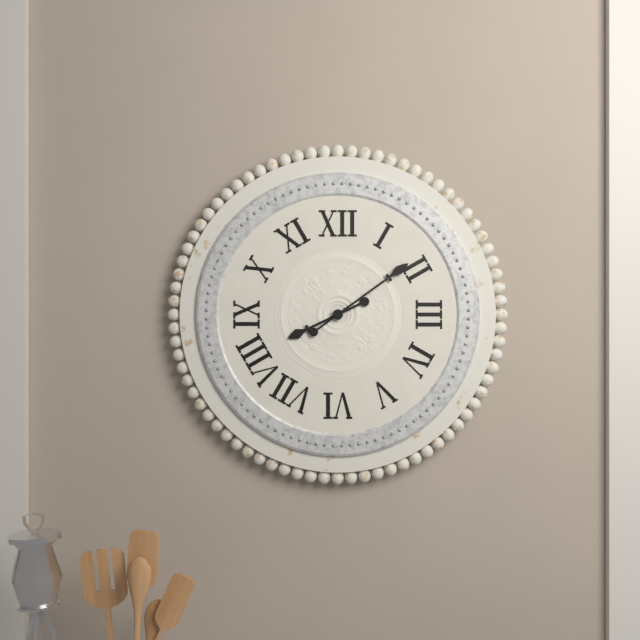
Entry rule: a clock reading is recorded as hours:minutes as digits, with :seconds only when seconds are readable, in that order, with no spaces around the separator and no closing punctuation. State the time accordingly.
8:09
